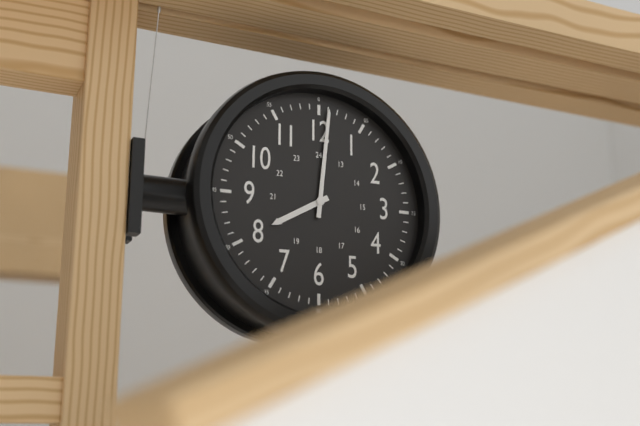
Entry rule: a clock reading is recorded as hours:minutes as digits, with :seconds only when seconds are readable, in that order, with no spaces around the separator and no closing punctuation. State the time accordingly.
8:01
